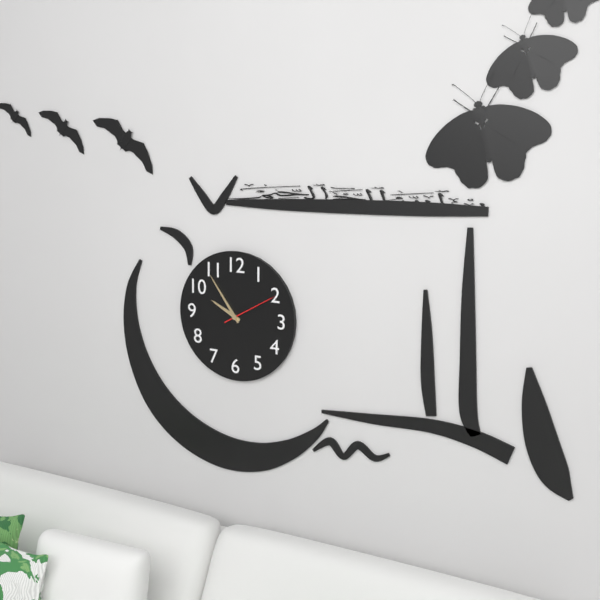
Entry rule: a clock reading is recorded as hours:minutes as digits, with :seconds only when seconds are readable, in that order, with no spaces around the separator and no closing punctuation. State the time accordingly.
9:54:10
